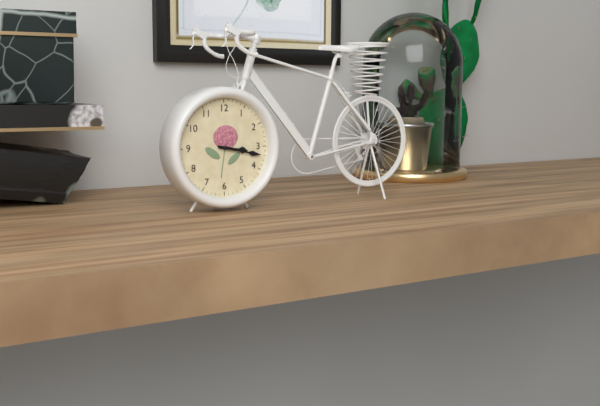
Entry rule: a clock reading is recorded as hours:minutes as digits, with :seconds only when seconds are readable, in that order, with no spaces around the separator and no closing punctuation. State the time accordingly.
3:17
